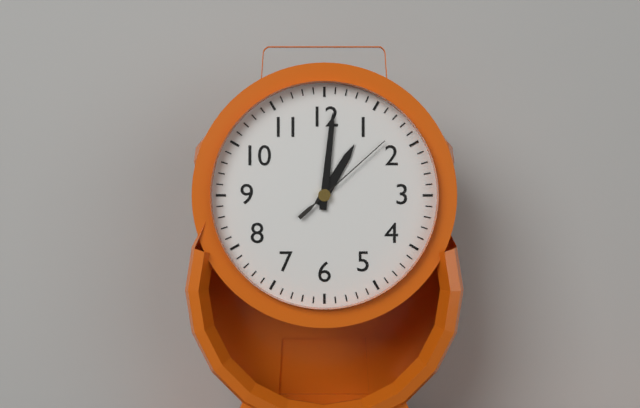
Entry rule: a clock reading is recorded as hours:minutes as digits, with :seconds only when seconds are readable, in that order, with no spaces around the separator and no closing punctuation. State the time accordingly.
1:01:08
